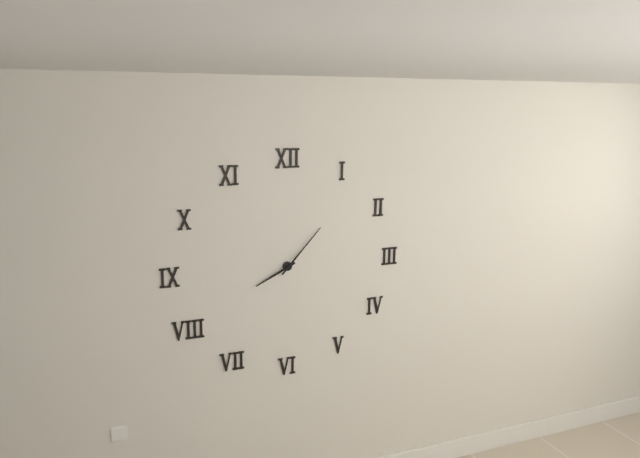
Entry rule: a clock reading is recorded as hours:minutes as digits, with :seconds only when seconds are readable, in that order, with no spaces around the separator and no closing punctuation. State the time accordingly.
8:07
